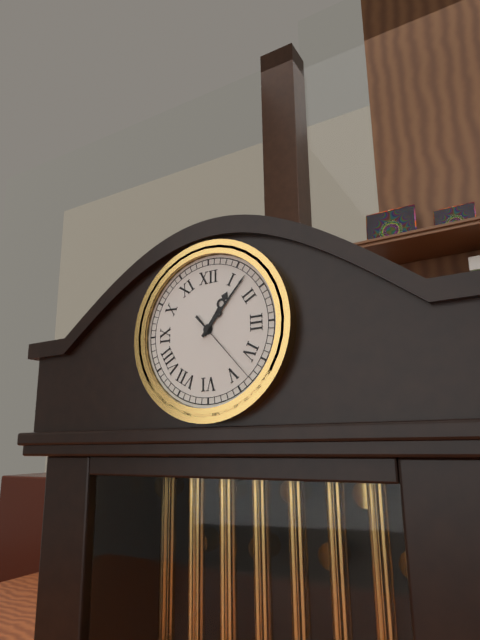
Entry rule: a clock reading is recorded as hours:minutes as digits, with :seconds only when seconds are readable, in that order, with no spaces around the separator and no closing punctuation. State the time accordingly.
1:07:23
